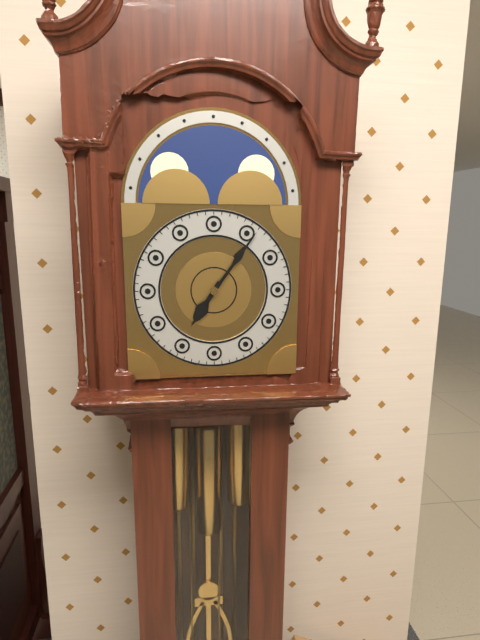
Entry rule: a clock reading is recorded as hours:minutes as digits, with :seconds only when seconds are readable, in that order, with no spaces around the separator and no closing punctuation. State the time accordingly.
7:06
